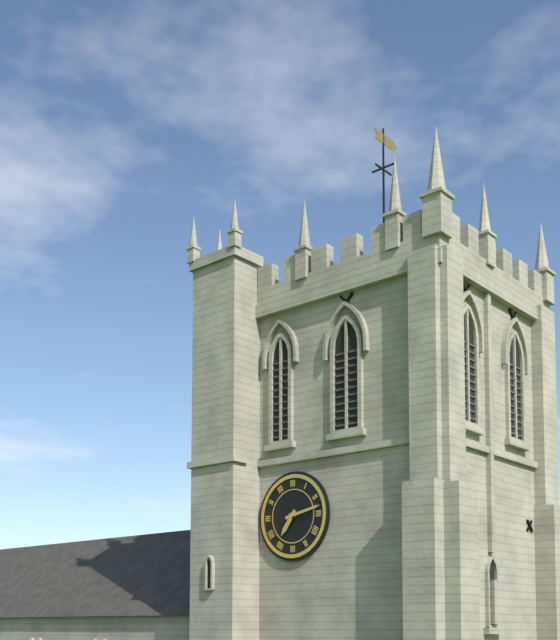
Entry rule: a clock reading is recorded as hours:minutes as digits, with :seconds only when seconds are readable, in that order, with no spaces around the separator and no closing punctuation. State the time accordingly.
7:13
